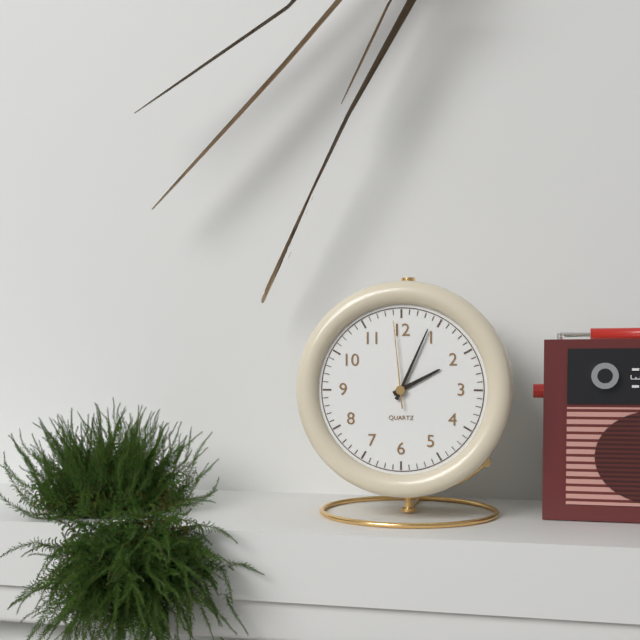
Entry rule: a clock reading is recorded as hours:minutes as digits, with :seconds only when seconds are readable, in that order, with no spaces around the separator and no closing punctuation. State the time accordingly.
2:04:59
